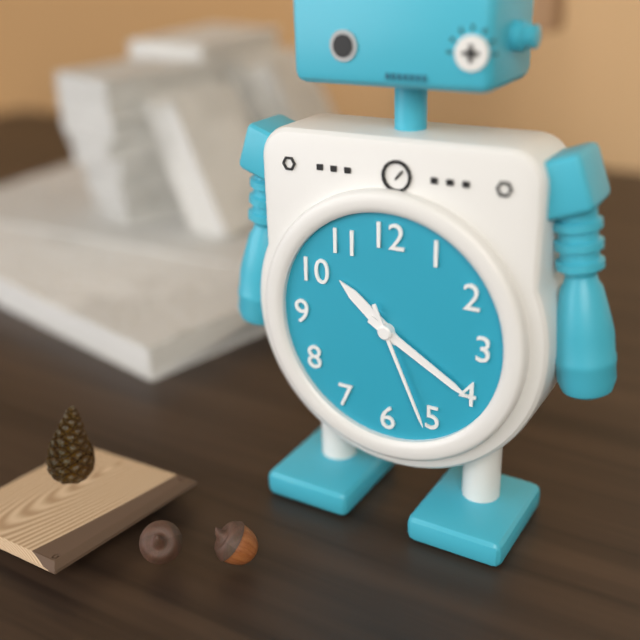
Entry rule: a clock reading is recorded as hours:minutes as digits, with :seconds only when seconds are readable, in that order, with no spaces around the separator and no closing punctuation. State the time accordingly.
10:20:26
